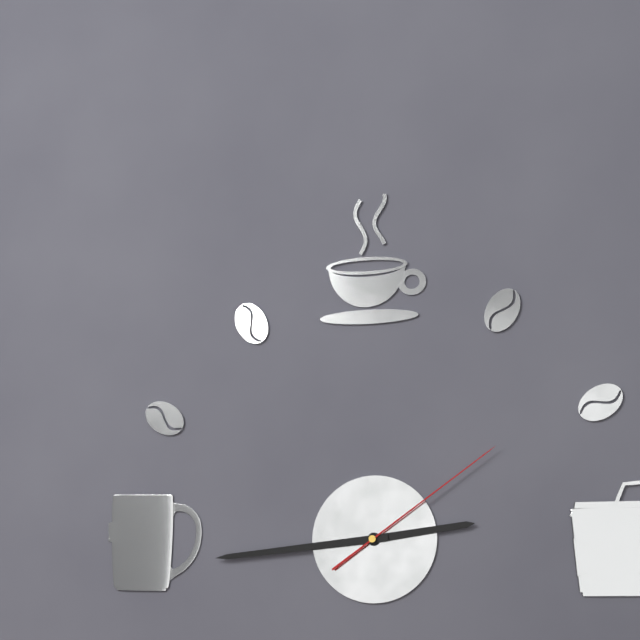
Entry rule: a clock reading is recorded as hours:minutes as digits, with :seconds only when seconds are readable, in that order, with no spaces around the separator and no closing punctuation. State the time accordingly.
2:44:09
